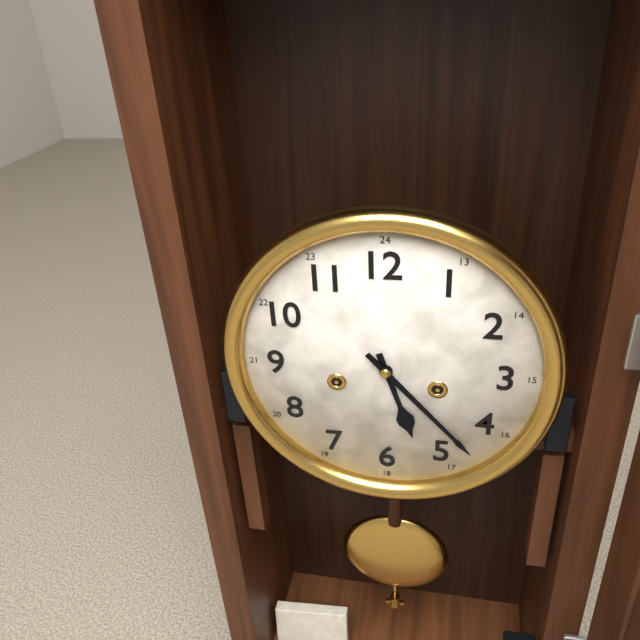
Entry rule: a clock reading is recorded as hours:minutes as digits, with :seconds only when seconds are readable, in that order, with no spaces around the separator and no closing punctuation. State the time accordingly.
5:23
